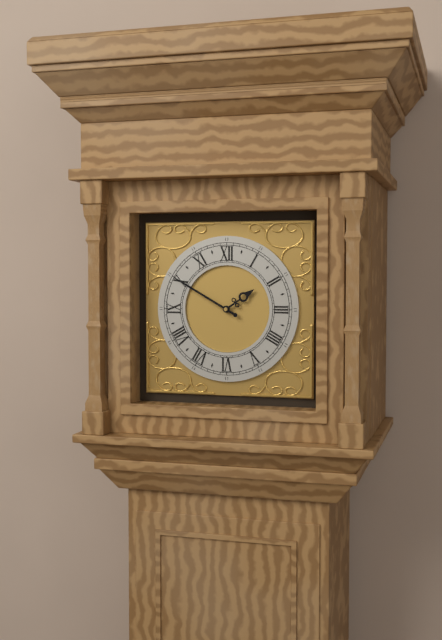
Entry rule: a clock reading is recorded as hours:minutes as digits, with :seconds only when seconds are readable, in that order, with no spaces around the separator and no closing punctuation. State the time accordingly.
1:50
